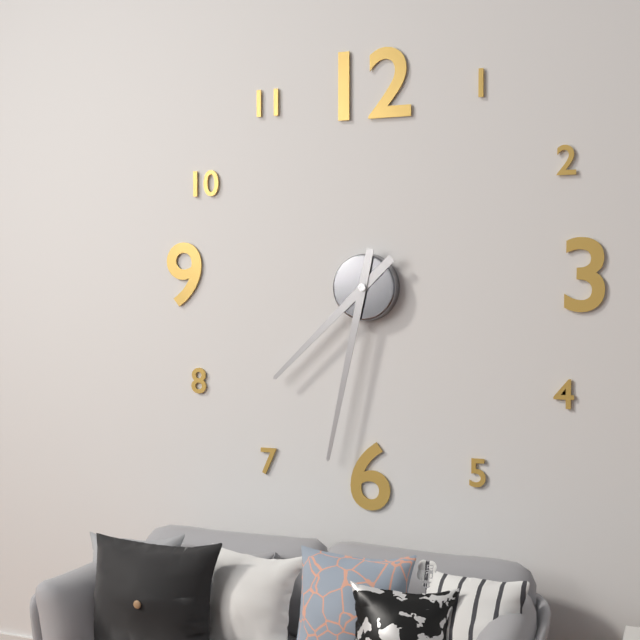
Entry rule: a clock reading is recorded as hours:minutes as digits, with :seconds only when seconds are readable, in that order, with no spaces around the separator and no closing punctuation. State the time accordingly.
7:32
